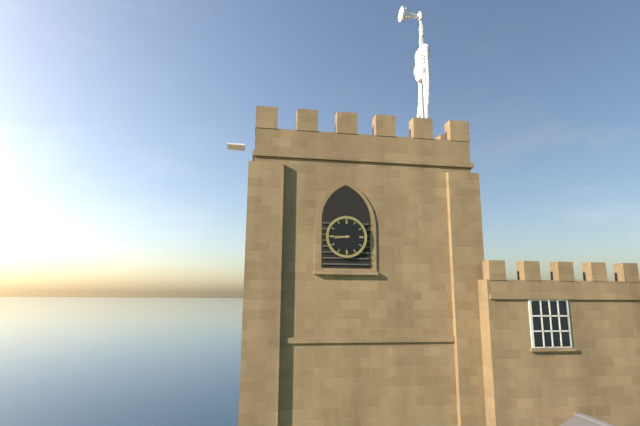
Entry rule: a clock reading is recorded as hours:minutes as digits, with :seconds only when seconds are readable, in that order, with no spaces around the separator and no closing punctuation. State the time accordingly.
8:45
